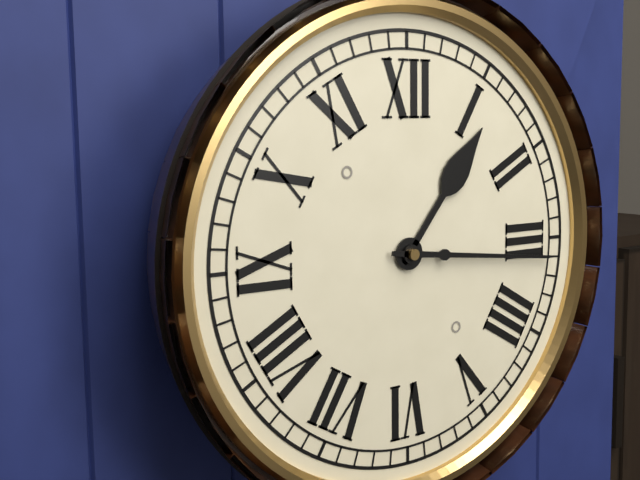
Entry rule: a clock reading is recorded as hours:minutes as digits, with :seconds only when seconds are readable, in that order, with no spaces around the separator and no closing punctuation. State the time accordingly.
1:16
